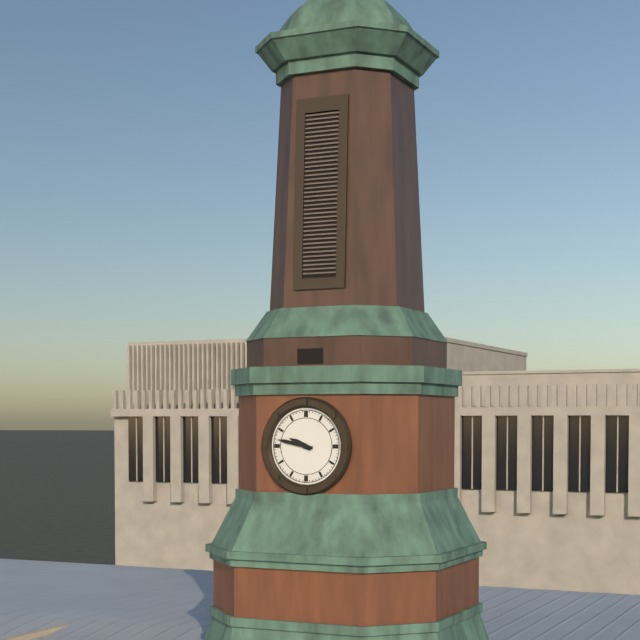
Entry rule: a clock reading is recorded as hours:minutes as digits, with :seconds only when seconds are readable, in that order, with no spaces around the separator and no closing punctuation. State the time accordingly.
9:47
